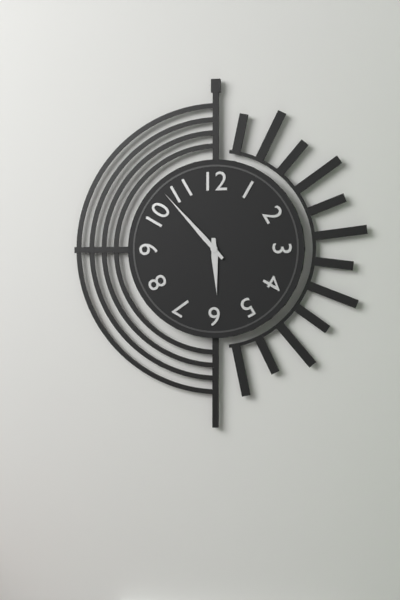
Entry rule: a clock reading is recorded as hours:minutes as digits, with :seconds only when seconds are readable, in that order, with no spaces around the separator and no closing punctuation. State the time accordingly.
5:53
